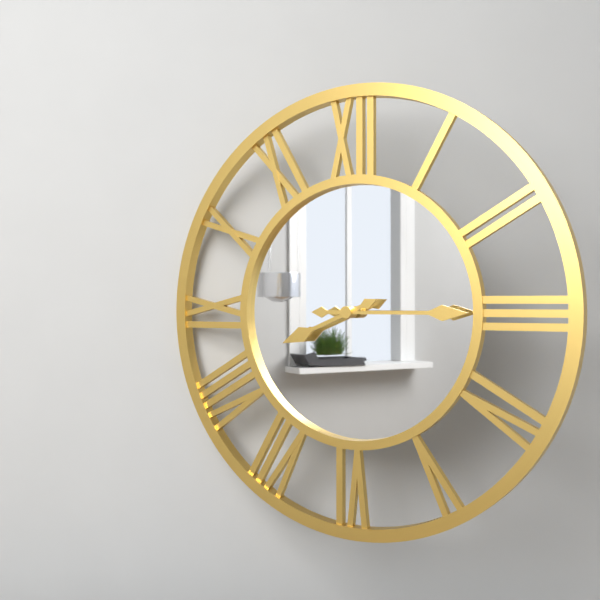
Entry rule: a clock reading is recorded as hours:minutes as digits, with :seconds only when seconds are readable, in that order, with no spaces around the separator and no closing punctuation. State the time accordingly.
8:15
